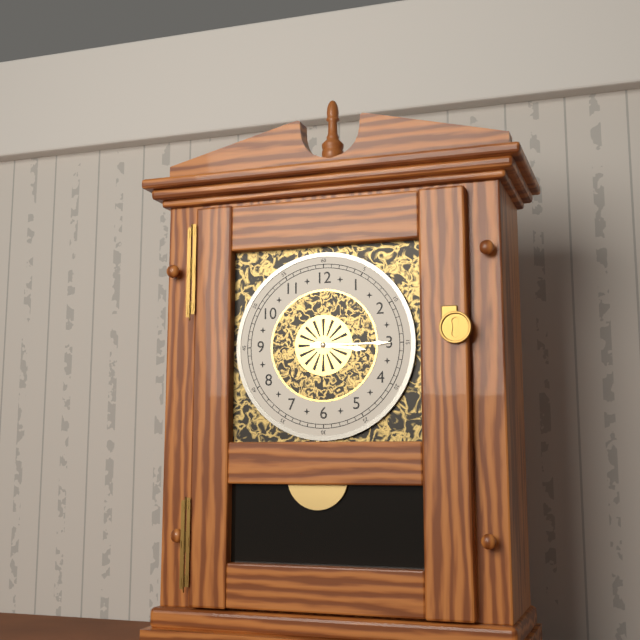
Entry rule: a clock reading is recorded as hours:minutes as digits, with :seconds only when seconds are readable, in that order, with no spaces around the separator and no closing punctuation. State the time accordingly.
3:15
